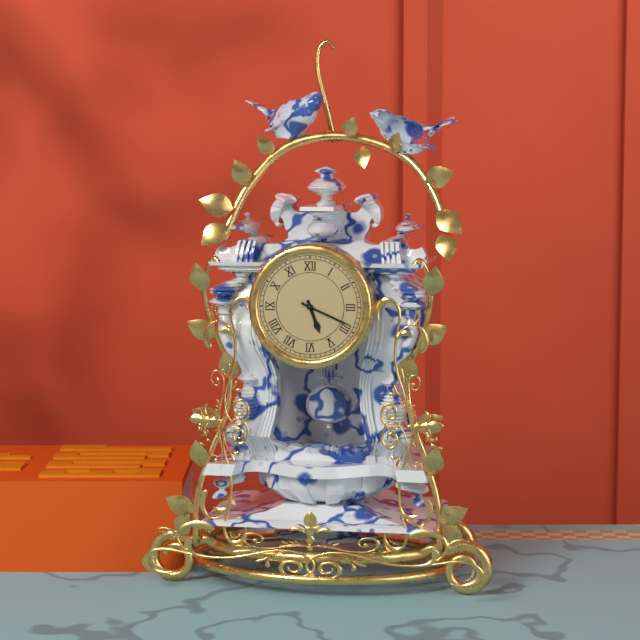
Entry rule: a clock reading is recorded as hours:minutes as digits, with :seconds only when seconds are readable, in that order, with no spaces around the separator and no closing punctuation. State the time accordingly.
5:19
